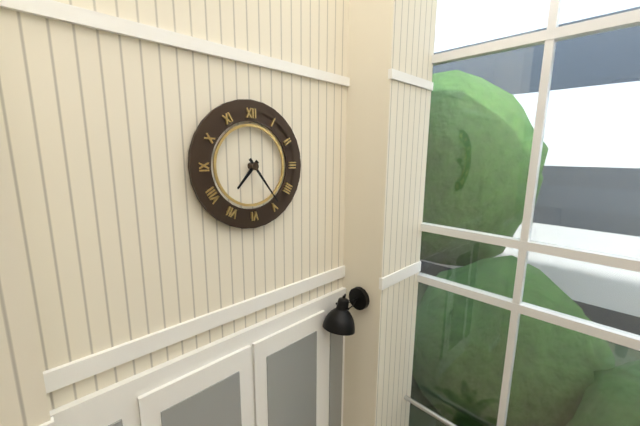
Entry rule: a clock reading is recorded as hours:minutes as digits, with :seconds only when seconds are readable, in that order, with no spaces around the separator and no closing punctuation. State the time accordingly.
7:24
